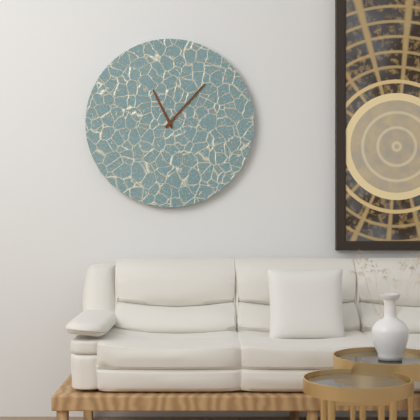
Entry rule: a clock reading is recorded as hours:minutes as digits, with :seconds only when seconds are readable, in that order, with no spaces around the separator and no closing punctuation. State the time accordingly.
11:07
